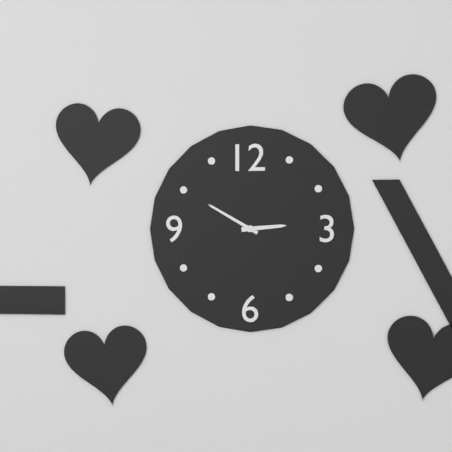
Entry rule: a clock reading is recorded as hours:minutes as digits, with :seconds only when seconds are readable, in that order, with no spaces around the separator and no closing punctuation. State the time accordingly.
2:50
